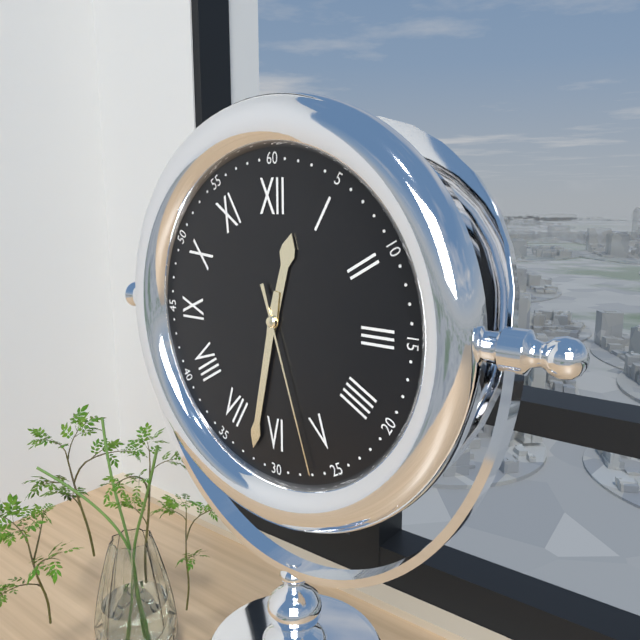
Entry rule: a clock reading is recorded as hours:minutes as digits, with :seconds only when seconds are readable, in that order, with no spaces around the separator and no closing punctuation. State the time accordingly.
12:32:27
